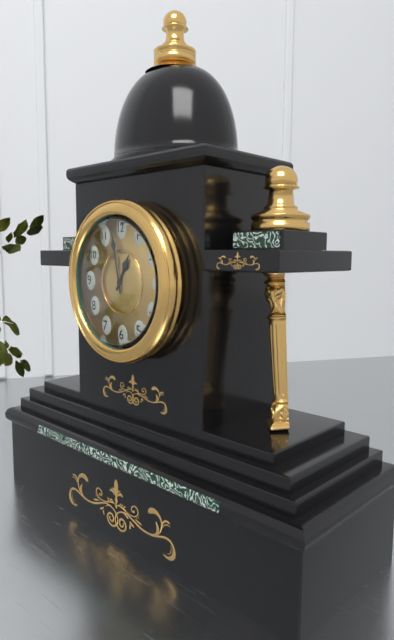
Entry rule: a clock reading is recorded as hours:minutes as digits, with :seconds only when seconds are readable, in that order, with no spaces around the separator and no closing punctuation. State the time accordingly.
12:58
